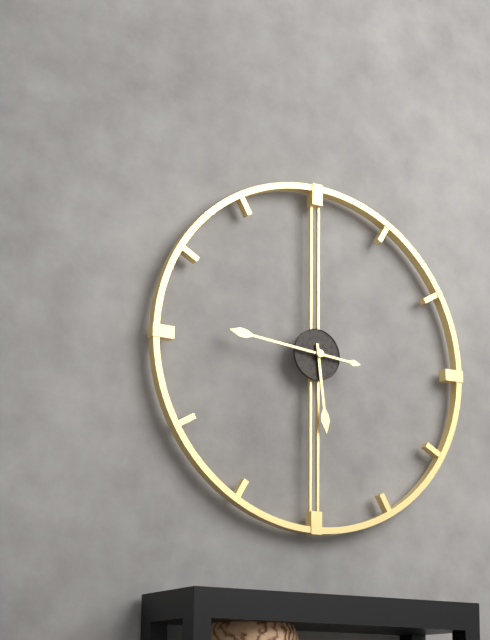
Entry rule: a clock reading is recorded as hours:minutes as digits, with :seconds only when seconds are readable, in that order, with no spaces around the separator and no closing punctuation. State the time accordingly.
5:46
